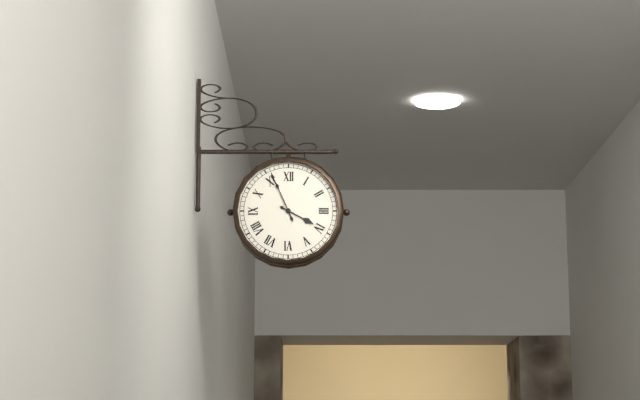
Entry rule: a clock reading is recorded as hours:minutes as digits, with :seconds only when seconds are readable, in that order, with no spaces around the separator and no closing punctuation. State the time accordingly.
3:56
